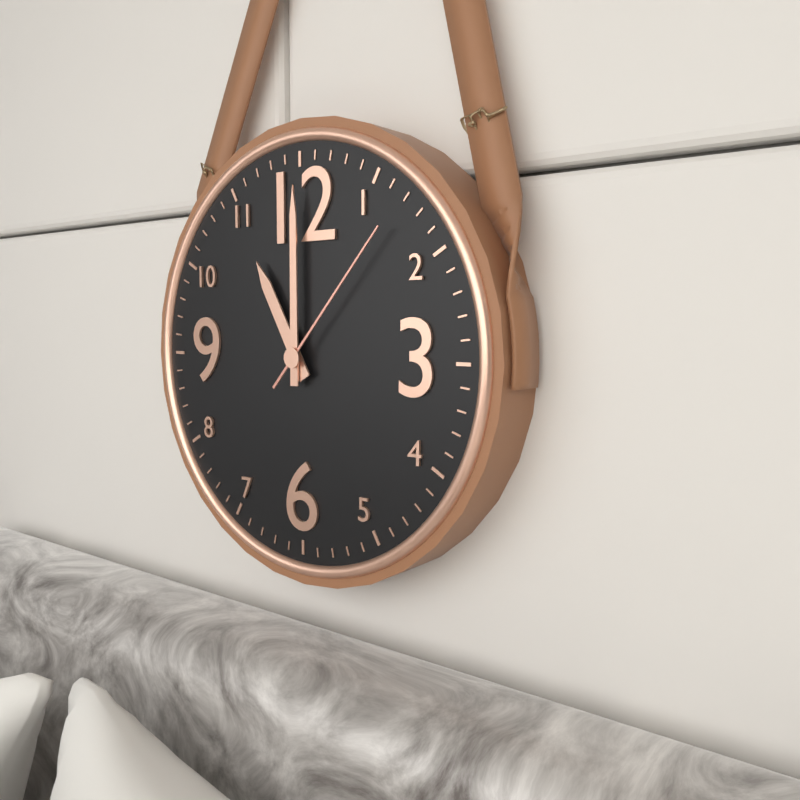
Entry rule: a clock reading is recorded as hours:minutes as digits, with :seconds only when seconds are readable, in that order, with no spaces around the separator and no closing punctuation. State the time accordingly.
11:00:07
